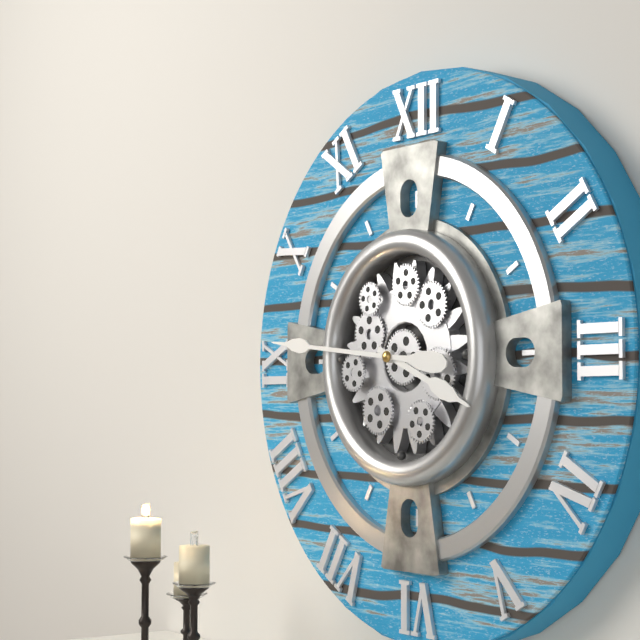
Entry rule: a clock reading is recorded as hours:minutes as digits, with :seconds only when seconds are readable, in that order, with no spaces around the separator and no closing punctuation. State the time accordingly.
3:46
